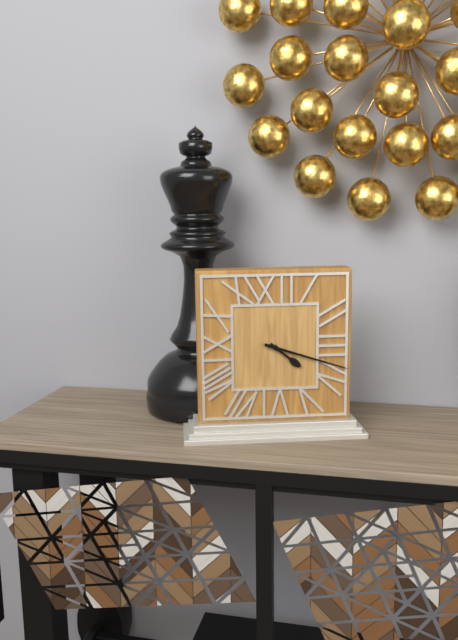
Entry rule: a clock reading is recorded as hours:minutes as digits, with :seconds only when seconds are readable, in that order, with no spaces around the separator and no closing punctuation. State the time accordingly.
4:18
